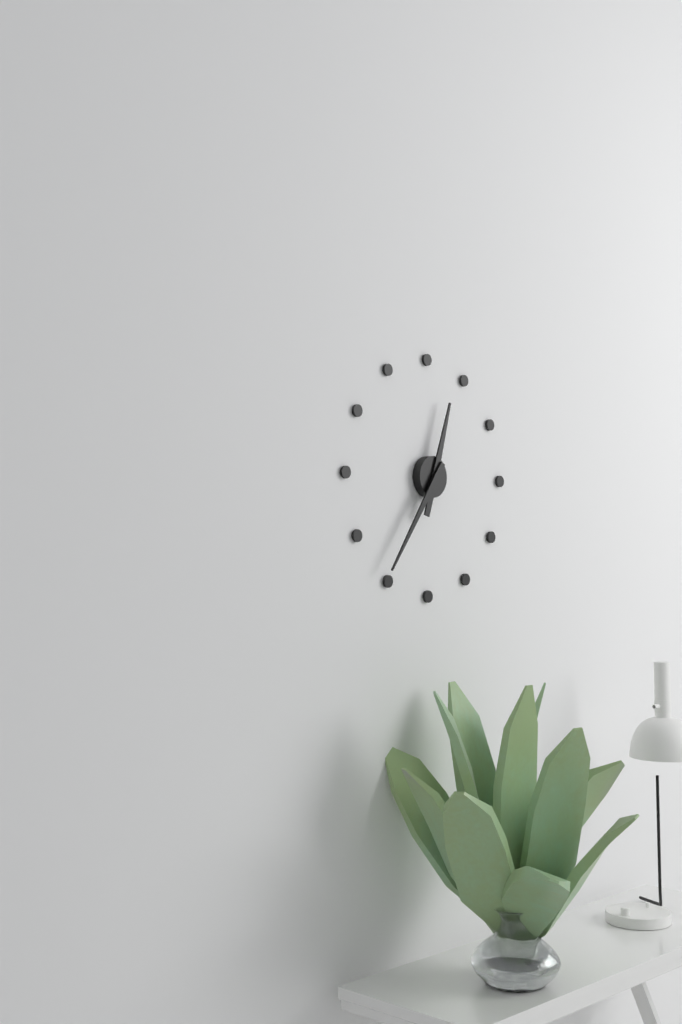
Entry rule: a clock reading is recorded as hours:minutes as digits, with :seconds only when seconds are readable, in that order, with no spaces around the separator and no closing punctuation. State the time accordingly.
12:36
